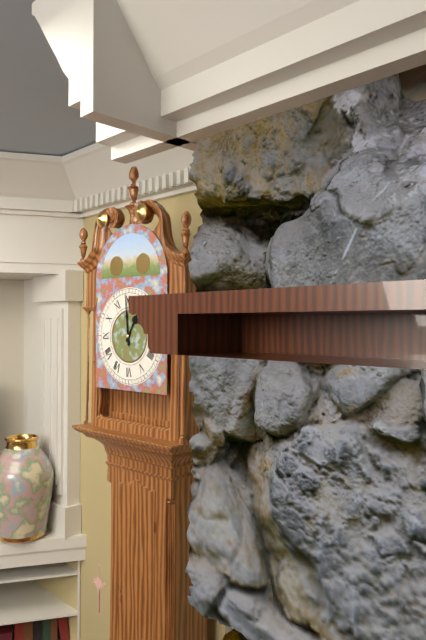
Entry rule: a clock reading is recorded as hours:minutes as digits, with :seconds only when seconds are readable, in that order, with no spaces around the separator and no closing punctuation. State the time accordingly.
12:59
